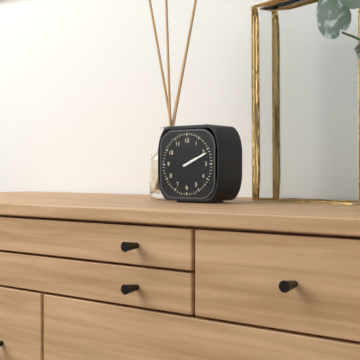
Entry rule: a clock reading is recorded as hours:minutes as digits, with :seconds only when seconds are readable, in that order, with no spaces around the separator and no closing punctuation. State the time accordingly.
2:11
